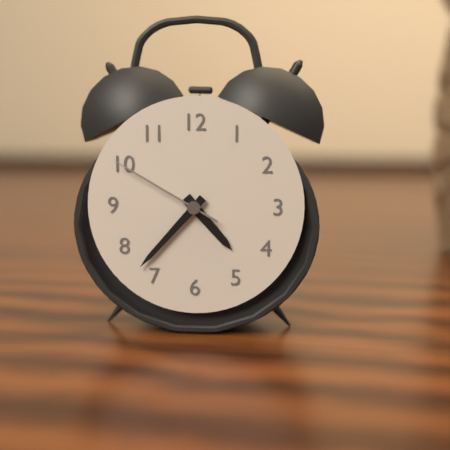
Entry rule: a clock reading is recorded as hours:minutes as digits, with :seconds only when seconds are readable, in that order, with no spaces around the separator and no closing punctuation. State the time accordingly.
4:37:50
